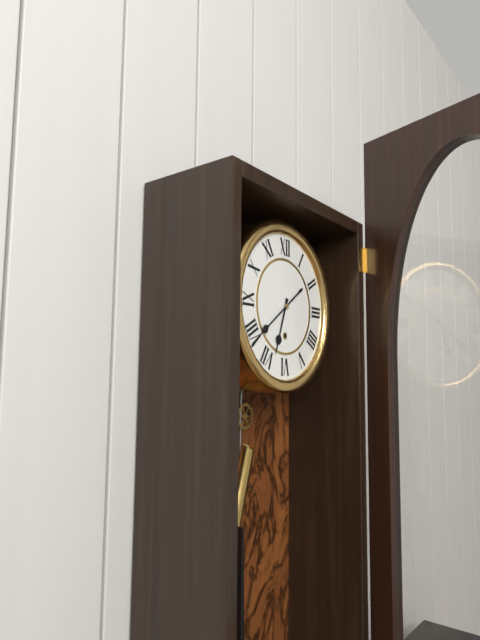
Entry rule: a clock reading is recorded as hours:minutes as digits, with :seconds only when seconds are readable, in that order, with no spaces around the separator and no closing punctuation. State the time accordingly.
6:39
